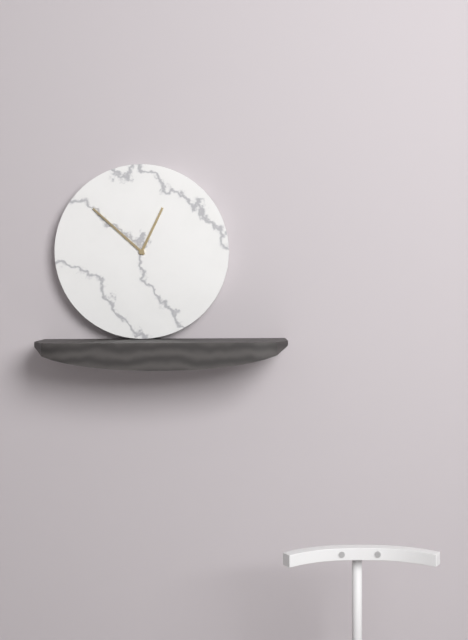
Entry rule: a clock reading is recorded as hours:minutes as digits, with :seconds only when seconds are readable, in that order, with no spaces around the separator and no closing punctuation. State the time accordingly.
12:52
